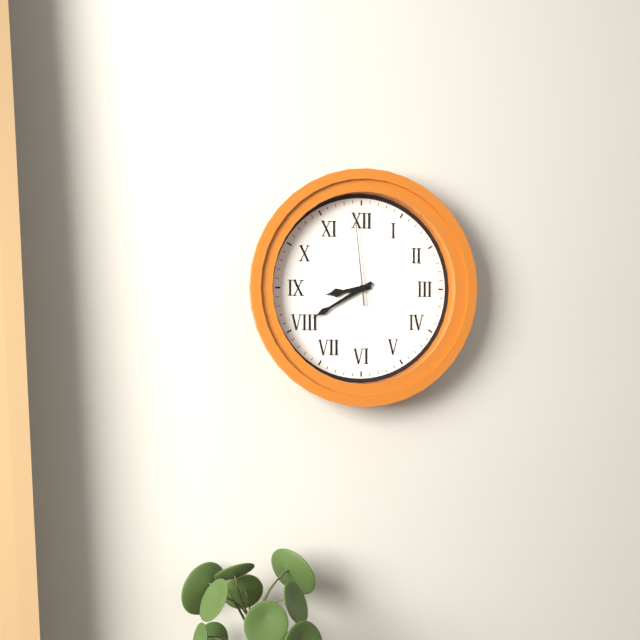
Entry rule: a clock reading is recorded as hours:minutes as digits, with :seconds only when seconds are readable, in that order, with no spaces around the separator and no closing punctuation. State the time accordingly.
8:40:59
